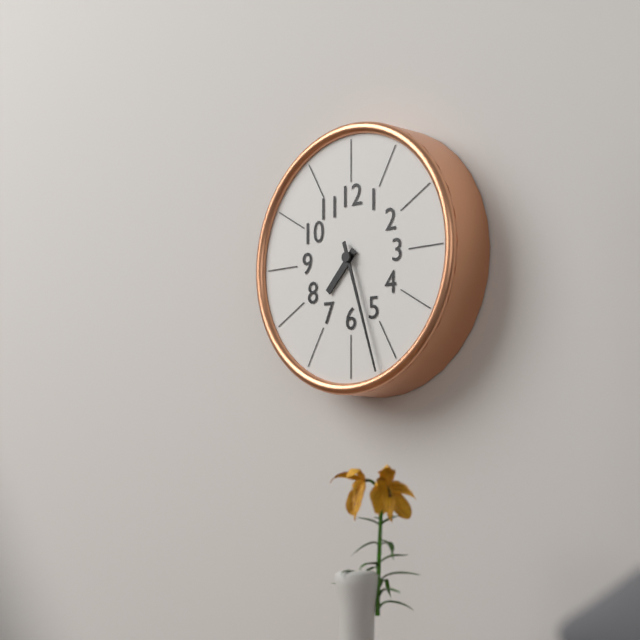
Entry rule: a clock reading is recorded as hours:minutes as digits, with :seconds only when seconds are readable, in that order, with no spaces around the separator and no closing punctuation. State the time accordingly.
7:27
